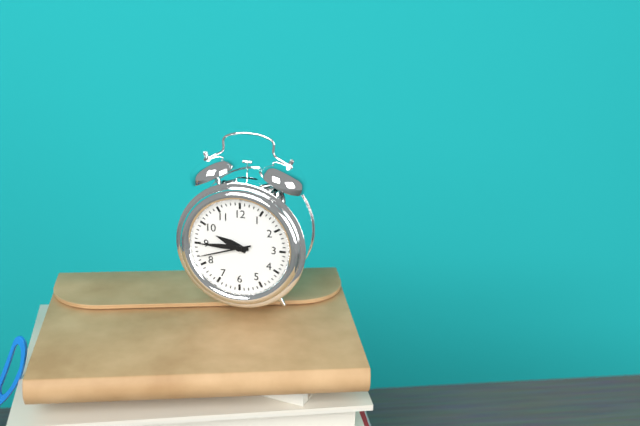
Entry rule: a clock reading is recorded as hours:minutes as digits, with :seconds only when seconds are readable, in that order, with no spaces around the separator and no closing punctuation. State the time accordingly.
9:45:42
